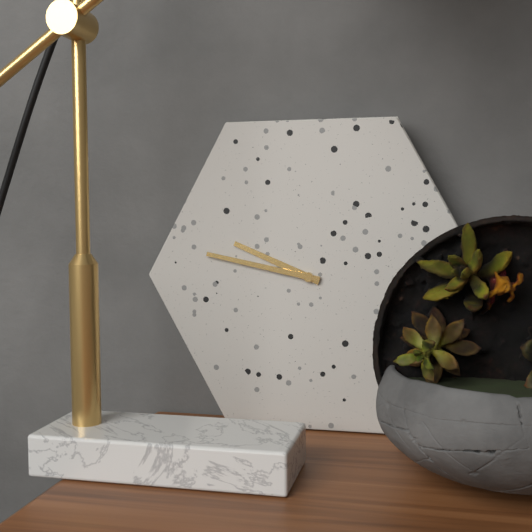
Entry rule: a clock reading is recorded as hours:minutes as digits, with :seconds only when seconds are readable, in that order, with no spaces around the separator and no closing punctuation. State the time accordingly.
9:47
